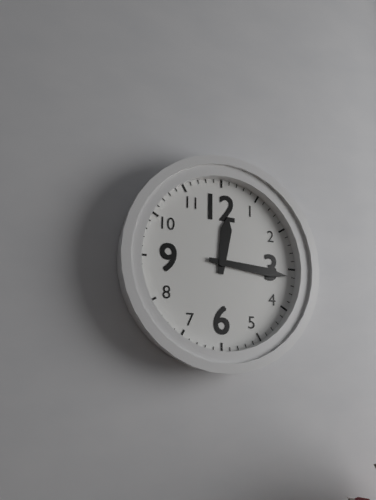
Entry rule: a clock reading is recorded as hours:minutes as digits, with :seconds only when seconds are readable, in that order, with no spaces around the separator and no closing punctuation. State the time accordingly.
12:16
